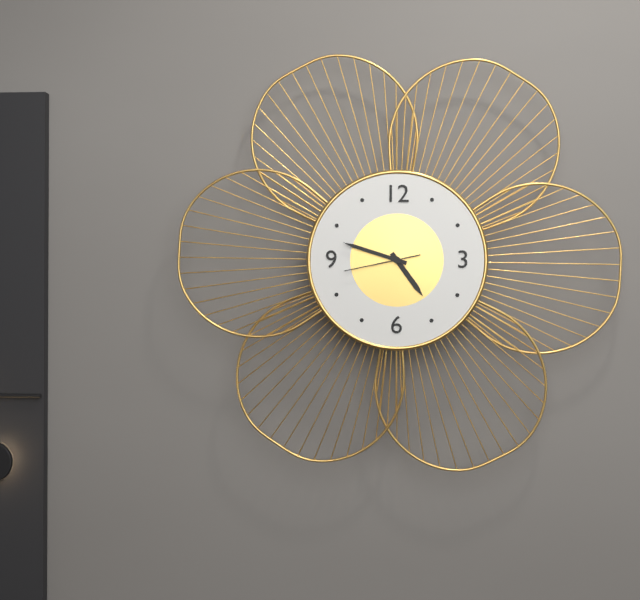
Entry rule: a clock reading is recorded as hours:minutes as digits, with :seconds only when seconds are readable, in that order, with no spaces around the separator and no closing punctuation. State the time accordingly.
4:48:43
